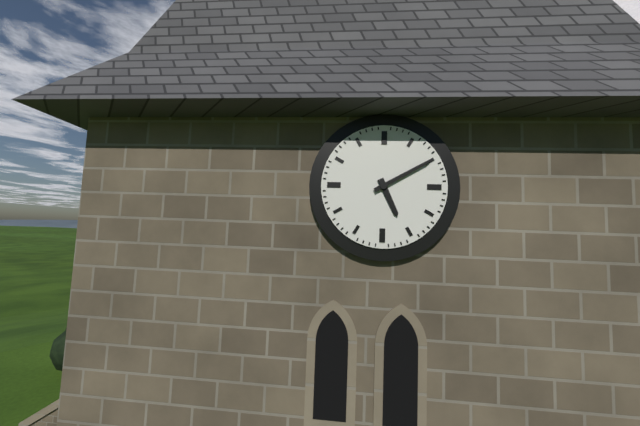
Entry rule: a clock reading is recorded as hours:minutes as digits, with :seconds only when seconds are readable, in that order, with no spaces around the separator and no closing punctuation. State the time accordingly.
5:10
